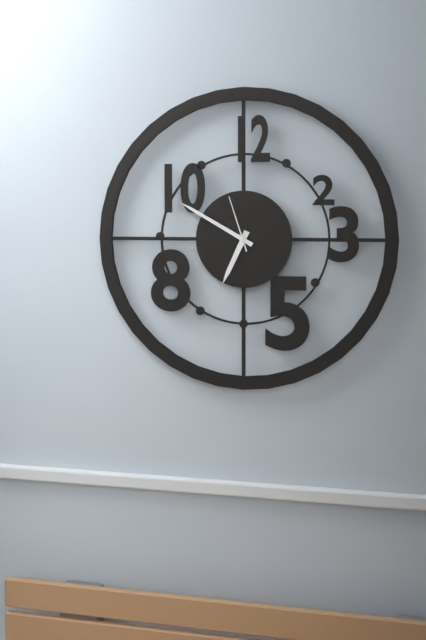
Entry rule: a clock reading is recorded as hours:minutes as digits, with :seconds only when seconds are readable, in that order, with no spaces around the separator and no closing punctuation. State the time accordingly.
6:50:57
